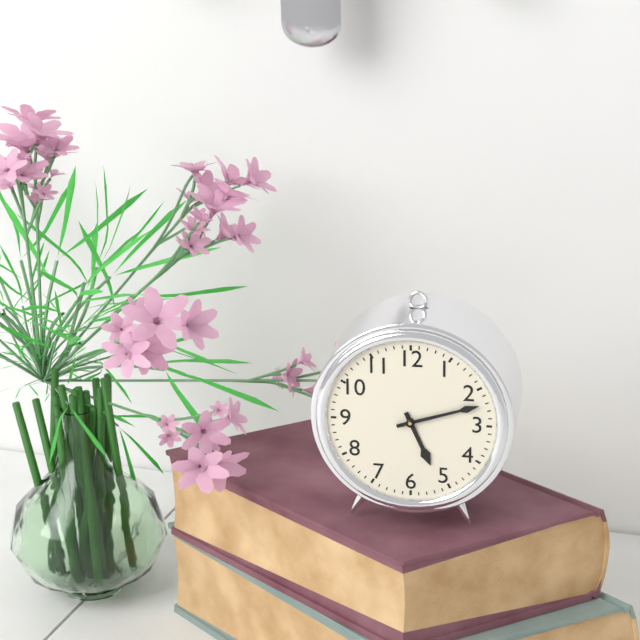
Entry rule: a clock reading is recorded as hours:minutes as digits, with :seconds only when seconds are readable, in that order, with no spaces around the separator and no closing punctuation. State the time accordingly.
5:12
